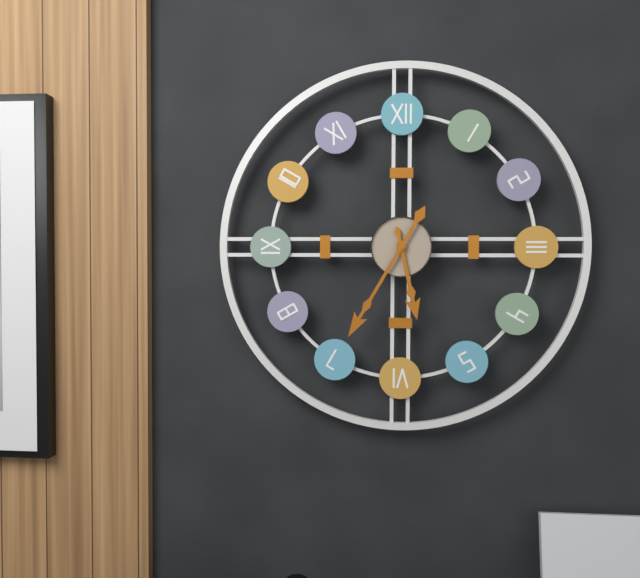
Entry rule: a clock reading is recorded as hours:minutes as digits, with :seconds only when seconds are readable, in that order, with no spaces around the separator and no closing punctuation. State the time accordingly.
5:35
